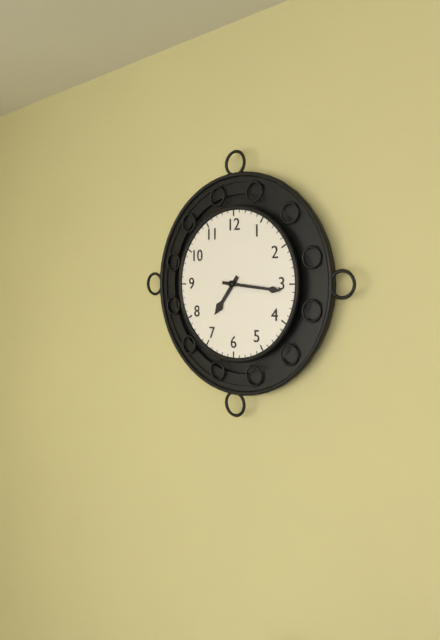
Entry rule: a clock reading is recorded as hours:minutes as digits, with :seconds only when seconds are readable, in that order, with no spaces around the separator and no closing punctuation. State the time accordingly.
7:16
